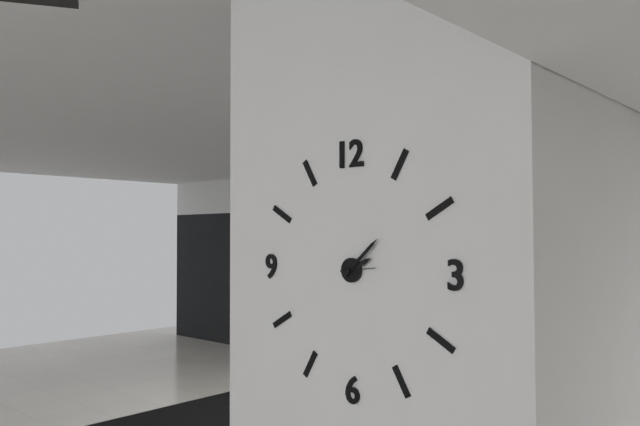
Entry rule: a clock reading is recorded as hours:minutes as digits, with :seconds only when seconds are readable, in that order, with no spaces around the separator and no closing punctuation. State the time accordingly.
2:08
